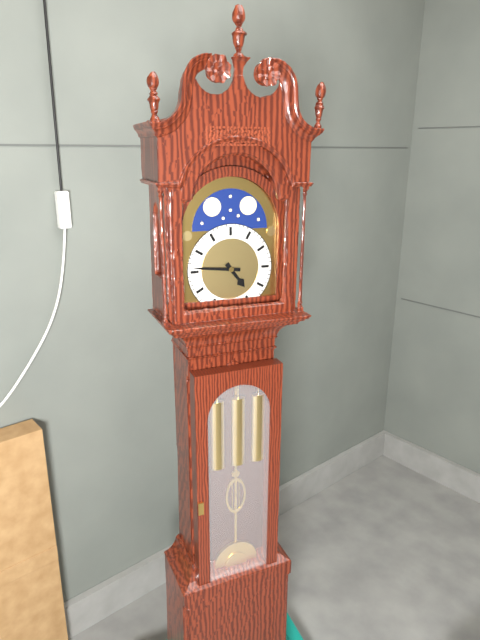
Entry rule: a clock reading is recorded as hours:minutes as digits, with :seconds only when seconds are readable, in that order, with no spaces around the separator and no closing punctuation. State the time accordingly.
4:46
